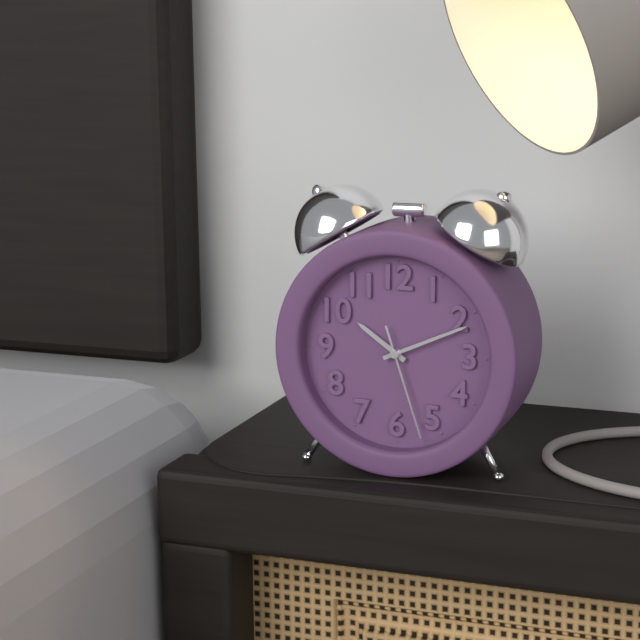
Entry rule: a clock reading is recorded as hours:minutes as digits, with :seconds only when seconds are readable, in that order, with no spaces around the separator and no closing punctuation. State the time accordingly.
10:11:27
